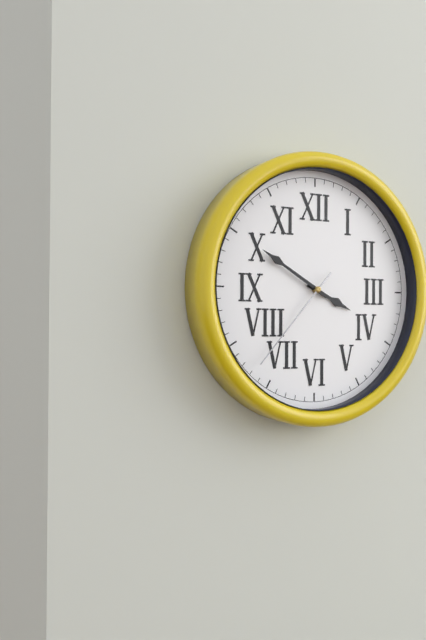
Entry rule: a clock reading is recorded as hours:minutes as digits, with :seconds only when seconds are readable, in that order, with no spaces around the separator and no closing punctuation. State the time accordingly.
3:50:37
